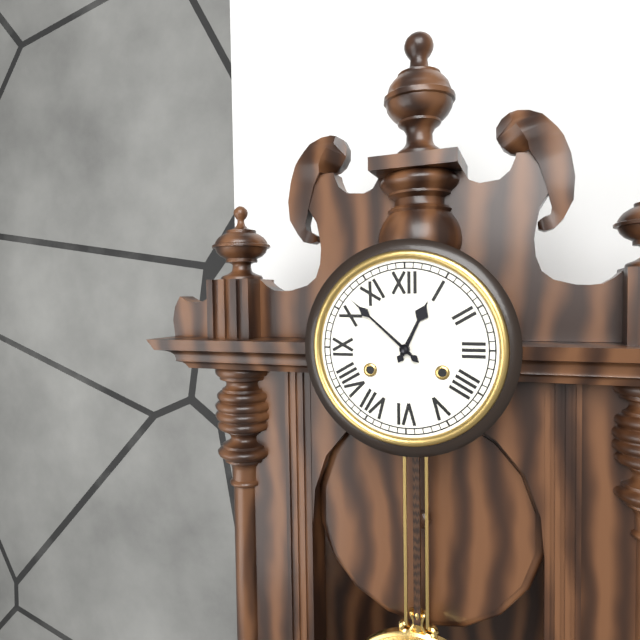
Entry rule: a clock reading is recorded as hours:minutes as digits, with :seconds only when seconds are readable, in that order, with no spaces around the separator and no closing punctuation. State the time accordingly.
12:52
